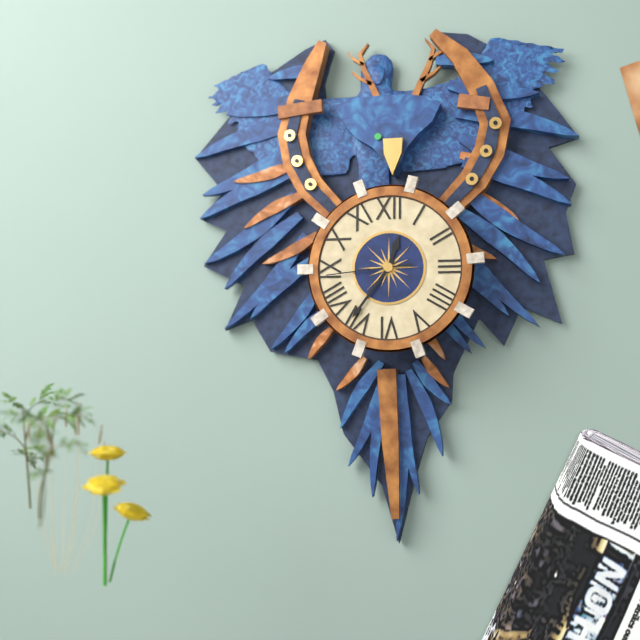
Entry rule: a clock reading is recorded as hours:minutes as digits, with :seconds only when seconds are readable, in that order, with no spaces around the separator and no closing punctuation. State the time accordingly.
12:36:44
